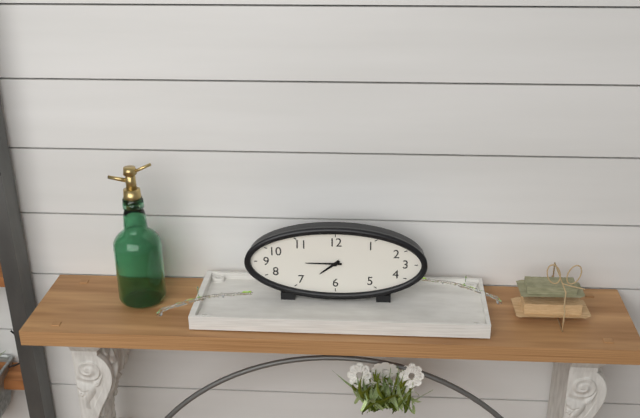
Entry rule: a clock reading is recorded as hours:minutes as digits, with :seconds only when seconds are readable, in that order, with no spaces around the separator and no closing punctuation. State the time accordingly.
7:45
